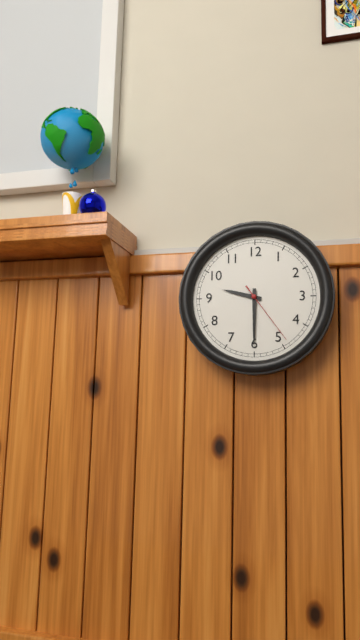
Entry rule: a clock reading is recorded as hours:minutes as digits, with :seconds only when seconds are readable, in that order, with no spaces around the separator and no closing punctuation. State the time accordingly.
9:30:24
